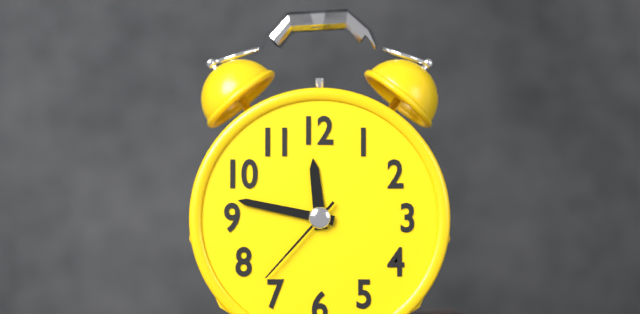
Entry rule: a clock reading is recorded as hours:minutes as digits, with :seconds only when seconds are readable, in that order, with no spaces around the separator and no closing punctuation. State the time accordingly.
11:47:37
